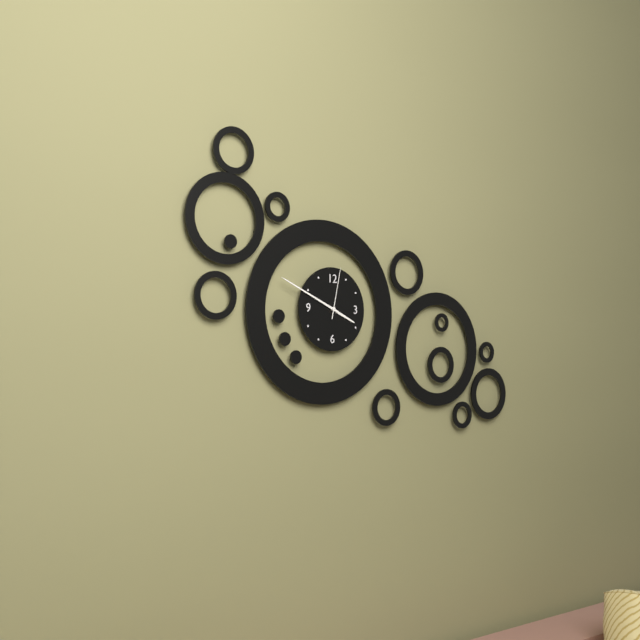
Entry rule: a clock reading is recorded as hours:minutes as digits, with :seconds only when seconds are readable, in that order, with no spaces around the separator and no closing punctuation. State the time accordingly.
3:49:02
